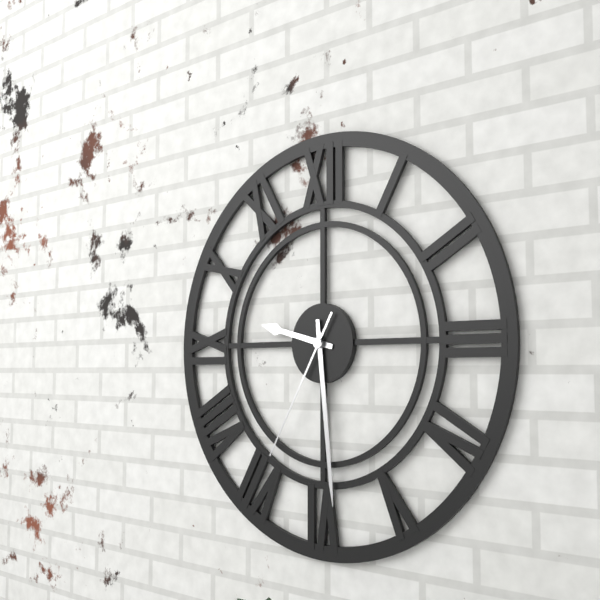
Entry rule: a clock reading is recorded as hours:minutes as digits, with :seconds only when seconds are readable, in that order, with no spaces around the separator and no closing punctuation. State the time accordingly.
9:29:35
